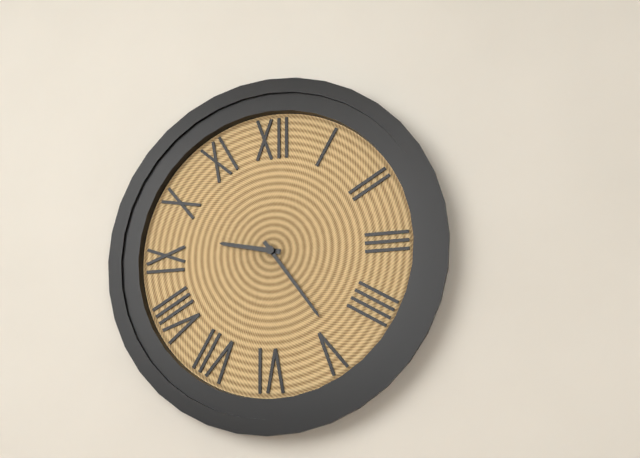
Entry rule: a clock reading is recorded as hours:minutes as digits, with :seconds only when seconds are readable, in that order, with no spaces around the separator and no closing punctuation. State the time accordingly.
9:24
